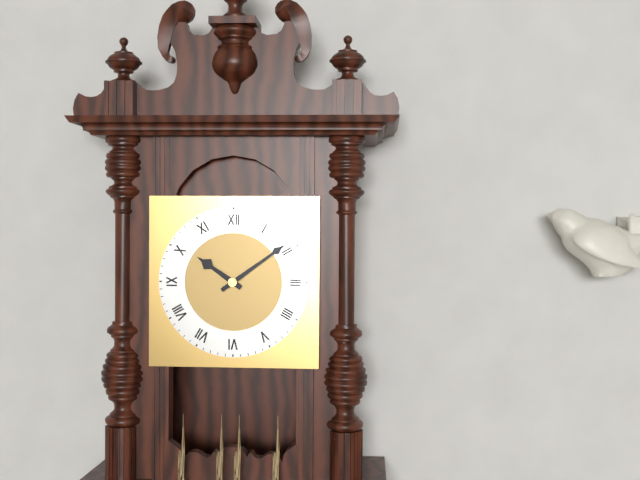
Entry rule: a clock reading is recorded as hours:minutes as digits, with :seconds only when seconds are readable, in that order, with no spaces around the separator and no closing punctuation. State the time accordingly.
10:09
